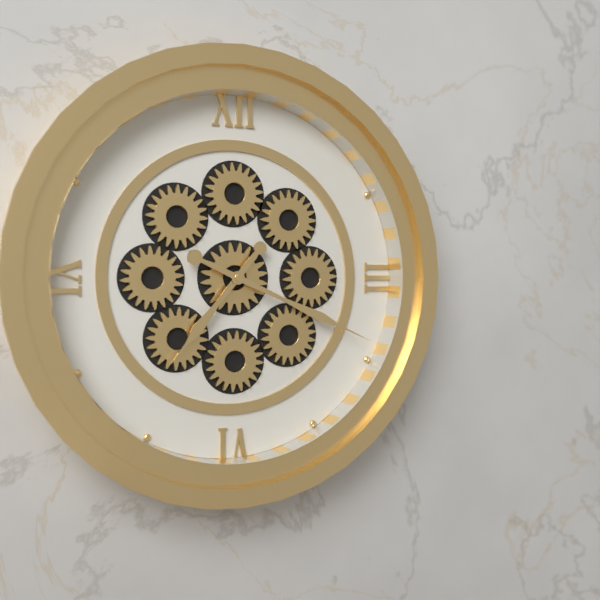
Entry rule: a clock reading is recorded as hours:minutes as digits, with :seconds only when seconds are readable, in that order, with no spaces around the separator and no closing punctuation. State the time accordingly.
7:19
